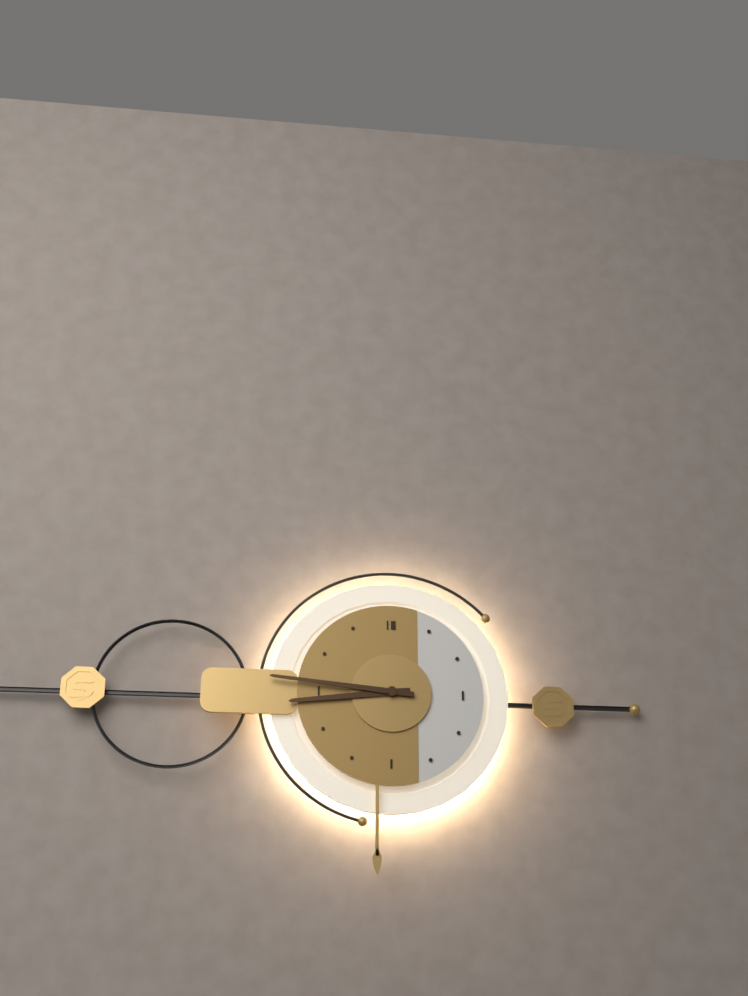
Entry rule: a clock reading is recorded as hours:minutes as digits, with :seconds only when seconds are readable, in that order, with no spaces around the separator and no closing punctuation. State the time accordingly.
8:46
